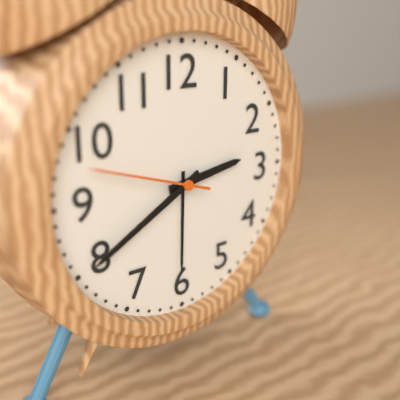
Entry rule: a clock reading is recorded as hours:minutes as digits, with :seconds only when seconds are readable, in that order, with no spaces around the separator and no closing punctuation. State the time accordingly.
2:40:48
